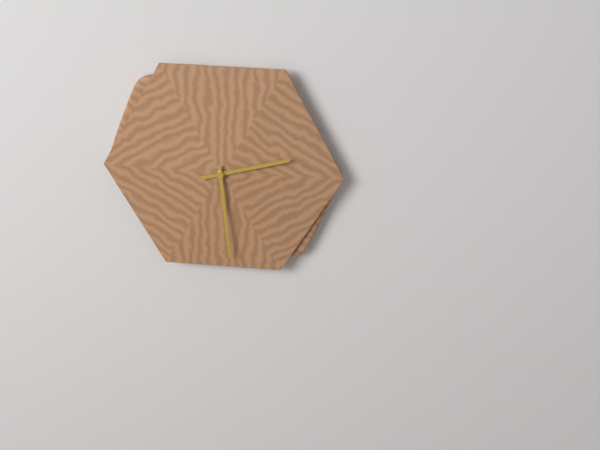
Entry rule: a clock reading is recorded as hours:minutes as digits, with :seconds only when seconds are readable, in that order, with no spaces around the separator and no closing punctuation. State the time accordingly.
2:29
